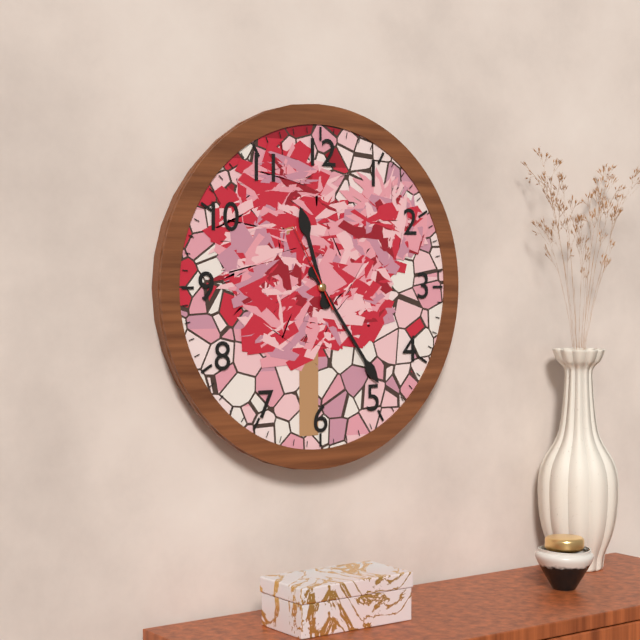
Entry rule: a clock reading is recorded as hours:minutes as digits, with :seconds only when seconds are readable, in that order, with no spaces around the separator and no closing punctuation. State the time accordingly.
11:24:55
